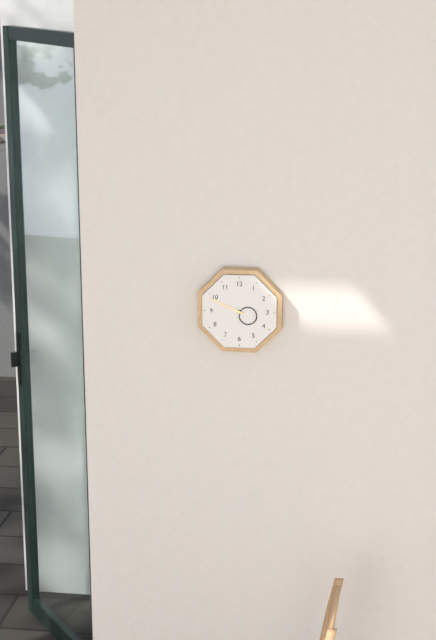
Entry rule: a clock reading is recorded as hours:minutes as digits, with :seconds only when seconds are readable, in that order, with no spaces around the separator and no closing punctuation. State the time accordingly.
3:49
